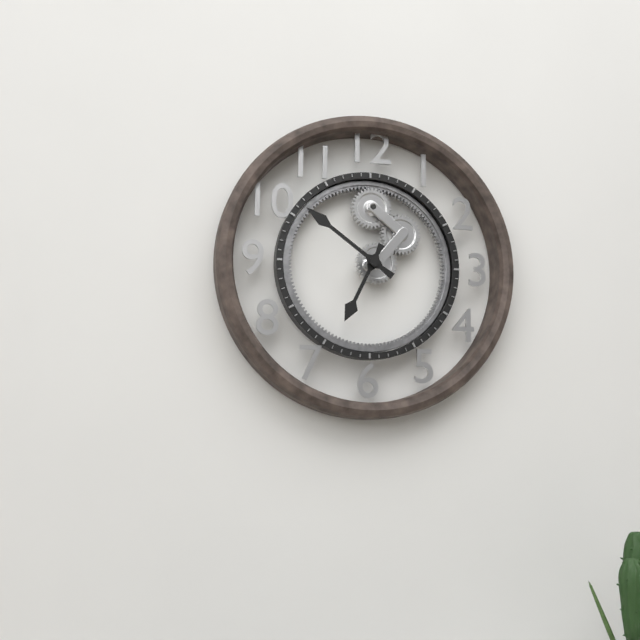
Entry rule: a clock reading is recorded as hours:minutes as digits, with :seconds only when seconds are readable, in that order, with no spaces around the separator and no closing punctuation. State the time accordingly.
6:51
